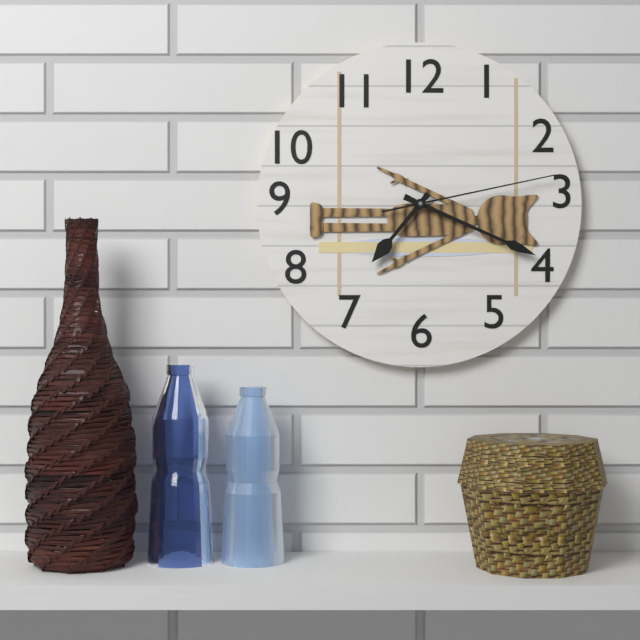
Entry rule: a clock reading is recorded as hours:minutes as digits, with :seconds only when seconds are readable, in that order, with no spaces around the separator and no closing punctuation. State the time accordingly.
7:19:13
